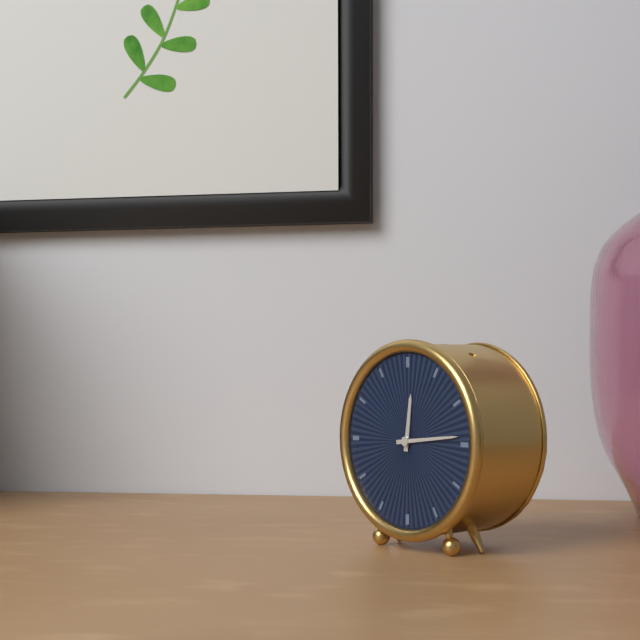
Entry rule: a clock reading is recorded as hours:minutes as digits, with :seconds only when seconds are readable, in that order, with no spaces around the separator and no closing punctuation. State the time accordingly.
12:14
